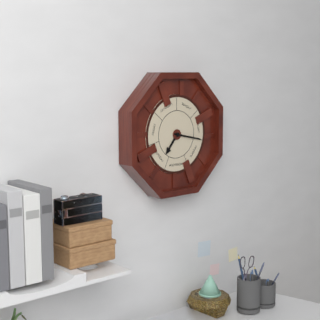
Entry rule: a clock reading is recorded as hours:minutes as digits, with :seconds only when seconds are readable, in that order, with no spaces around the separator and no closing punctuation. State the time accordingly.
7:17
